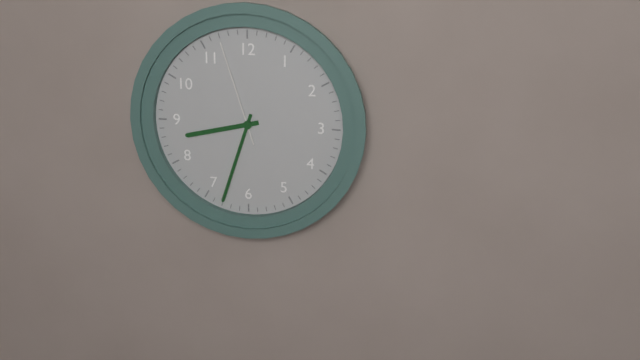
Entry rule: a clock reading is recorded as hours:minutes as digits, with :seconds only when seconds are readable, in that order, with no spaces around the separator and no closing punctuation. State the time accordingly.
8:33:57
